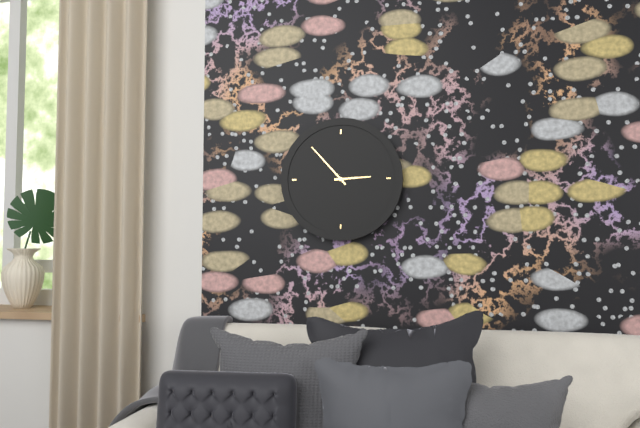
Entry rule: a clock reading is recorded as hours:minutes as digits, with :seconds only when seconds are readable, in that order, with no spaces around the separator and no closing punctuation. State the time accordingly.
2:53
